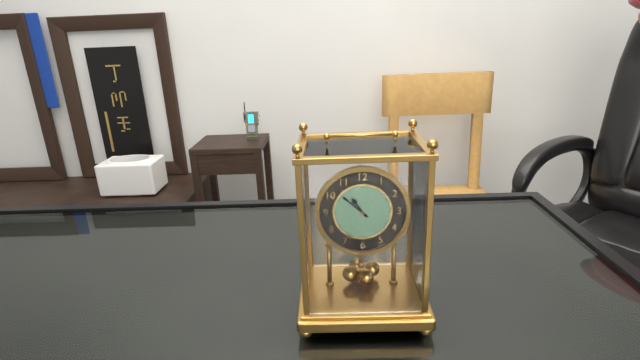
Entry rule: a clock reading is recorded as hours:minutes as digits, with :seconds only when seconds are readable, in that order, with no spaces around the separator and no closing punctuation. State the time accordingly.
10:52
